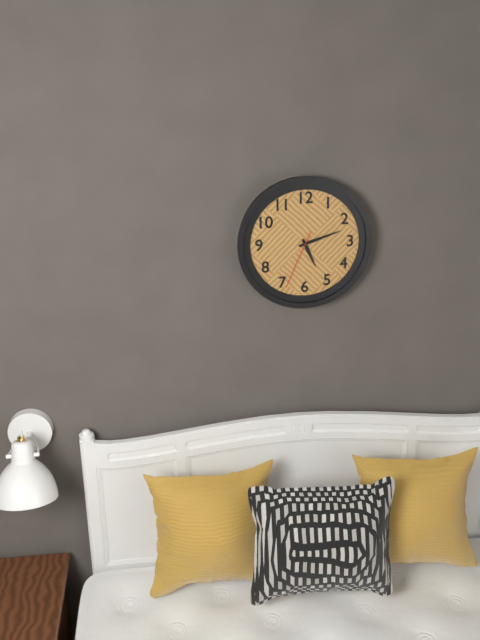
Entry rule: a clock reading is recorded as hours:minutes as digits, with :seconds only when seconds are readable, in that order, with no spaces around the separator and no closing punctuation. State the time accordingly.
5:12:34
